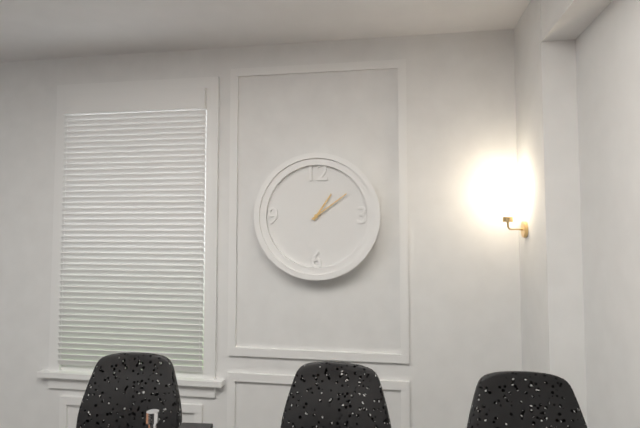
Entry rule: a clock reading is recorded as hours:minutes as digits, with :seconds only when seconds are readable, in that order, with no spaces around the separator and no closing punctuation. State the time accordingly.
1:09
